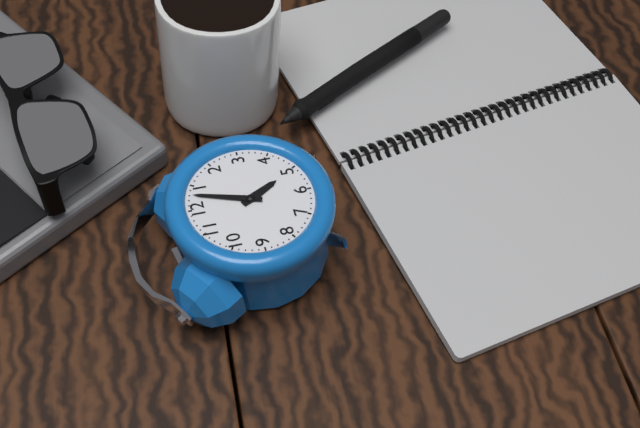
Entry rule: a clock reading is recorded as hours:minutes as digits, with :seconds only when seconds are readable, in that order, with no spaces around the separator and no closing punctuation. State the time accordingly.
5:03
